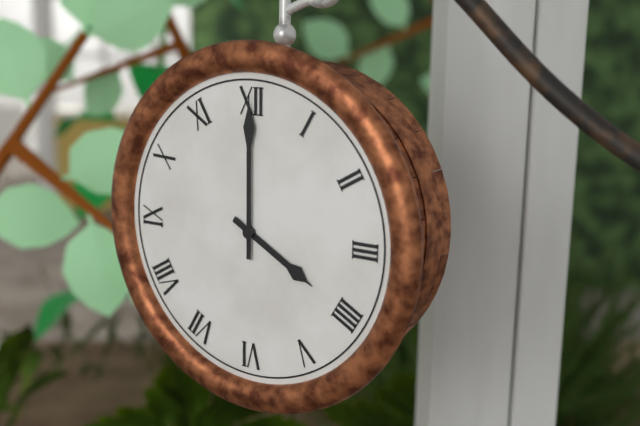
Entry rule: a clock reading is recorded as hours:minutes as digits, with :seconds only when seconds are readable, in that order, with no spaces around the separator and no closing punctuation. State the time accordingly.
4:00
